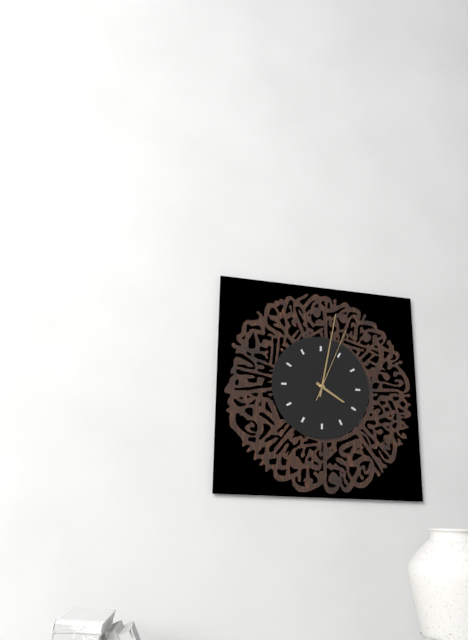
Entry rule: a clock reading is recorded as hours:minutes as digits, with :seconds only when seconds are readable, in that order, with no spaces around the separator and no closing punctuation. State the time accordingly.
4:02:04
